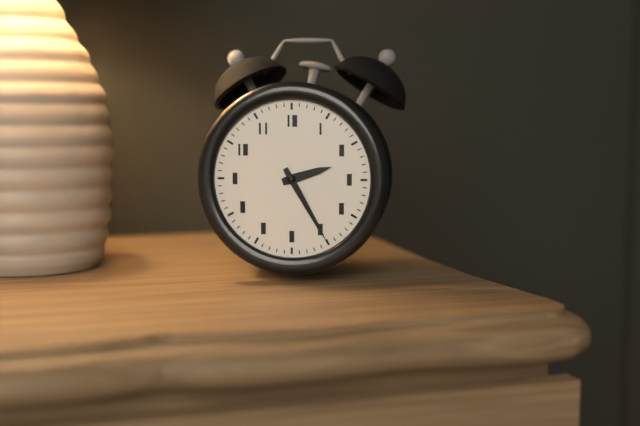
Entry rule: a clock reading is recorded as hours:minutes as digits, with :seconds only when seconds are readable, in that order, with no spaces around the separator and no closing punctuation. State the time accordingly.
2:25
